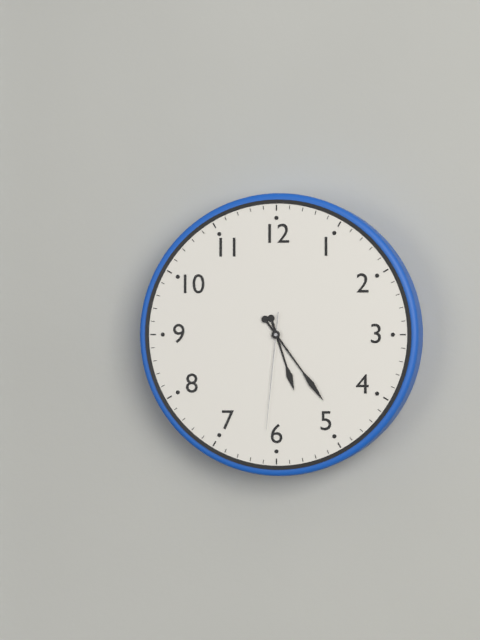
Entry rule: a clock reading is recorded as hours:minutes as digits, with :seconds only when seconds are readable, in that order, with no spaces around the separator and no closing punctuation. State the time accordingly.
5:24:31
